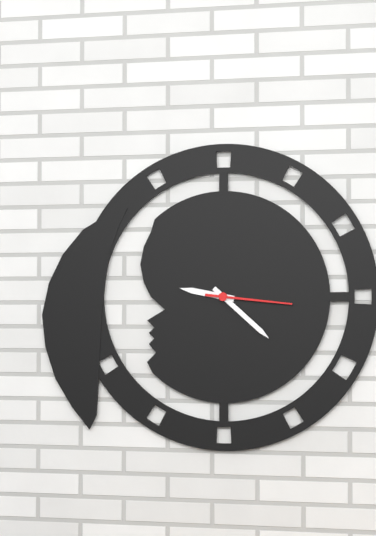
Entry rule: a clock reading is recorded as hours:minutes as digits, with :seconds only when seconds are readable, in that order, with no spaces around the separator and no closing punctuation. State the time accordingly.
9:22:16
